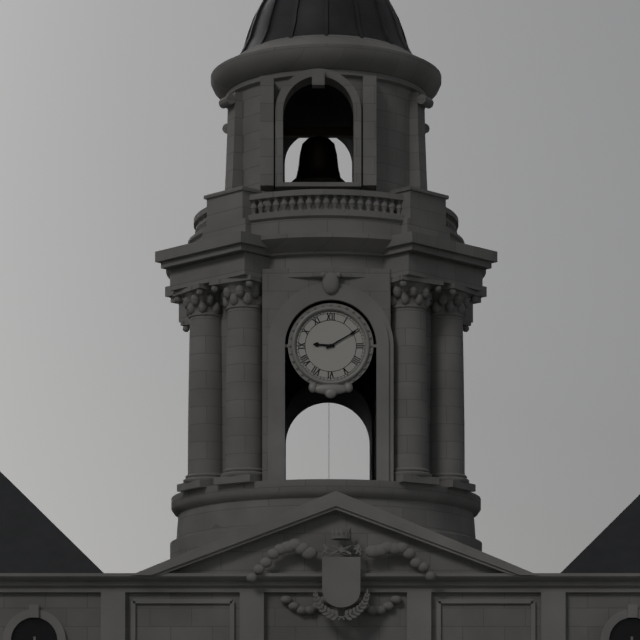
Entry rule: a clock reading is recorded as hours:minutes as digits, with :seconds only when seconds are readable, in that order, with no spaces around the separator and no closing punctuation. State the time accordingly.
9:10
